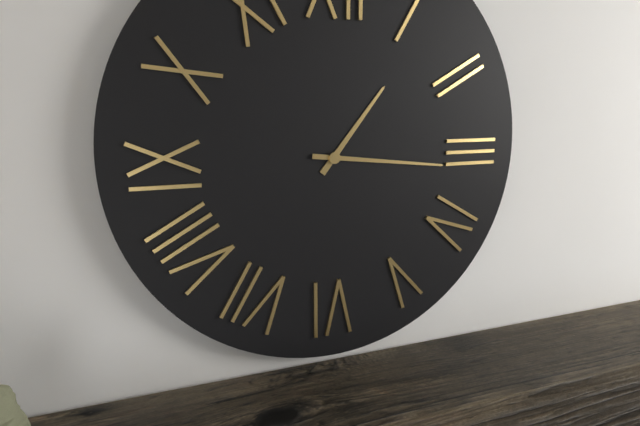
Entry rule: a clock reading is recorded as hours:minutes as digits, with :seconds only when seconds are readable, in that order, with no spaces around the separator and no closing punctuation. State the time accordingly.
1:16
